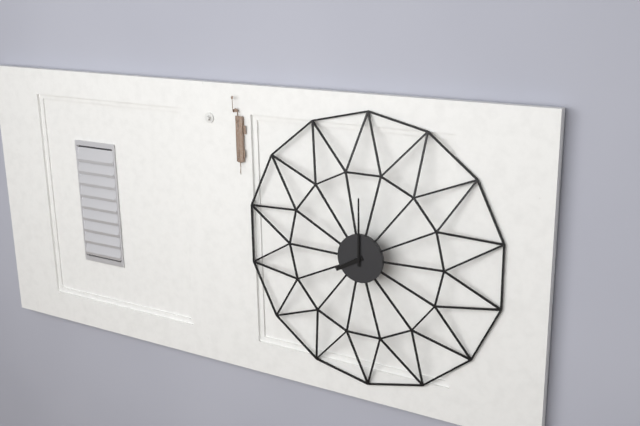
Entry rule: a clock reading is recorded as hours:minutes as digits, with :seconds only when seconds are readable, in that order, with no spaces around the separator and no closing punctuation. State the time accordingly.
8:00
